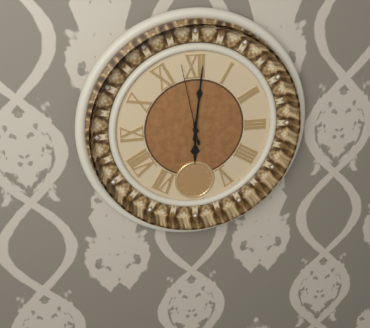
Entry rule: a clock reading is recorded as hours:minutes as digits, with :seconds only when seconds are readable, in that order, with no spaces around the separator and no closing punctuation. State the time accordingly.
6:01:58
